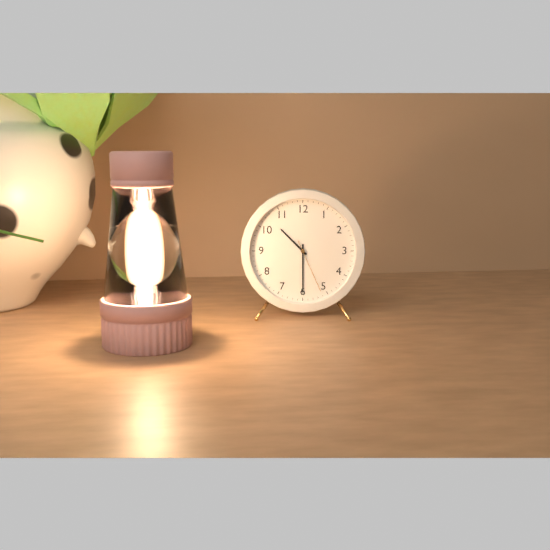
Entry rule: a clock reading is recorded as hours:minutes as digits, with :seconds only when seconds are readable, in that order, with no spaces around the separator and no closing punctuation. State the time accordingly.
10:30:26
